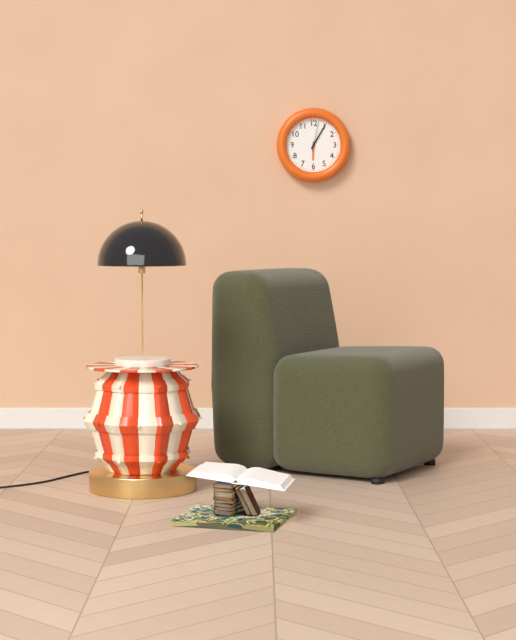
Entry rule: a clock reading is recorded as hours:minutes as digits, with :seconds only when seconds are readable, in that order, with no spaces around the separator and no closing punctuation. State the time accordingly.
6:05
